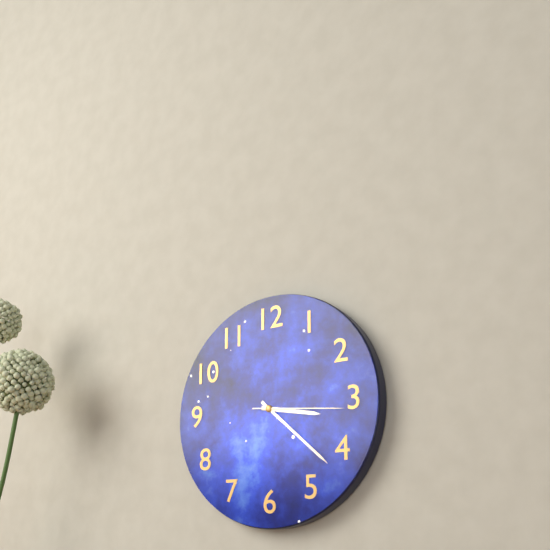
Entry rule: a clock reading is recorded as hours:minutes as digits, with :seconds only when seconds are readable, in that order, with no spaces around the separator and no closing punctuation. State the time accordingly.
3:22:16
